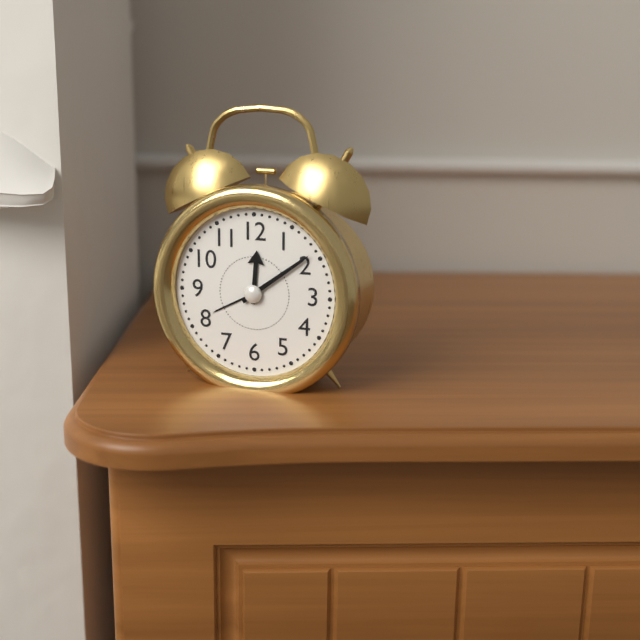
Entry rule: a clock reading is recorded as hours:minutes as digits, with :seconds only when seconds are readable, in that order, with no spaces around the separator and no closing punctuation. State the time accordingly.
12:09
